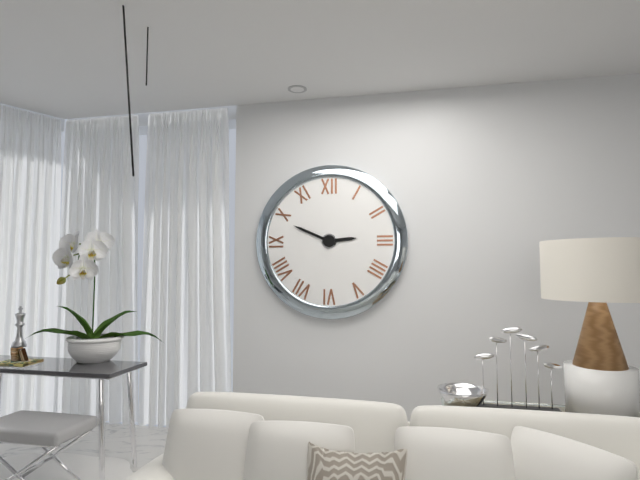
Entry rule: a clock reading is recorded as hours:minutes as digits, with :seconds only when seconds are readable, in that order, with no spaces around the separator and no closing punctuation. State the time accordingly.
2:49
